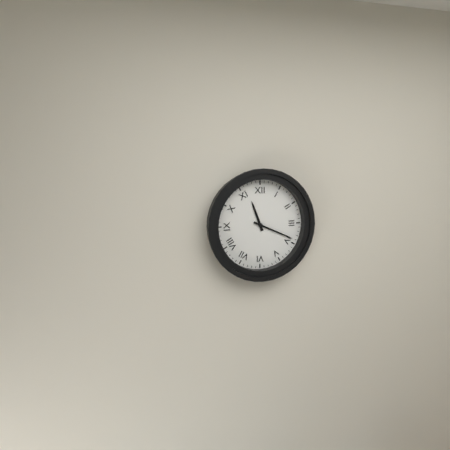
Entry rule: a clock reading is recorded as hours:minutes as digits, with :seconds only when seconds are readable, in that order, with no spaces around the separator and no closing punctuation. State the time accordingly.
11:19
